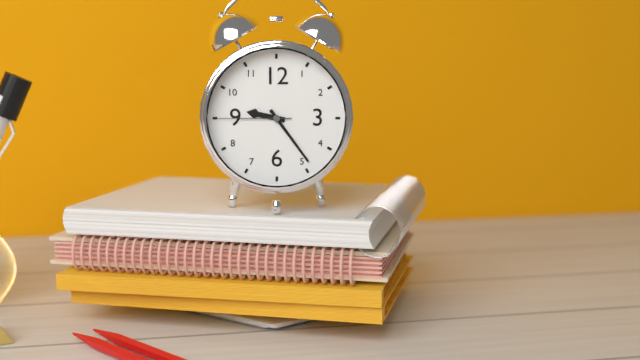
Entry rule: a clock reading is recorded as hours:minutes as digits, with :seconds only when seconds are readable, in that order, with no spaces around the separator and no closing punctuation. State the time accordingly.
9:24:45
